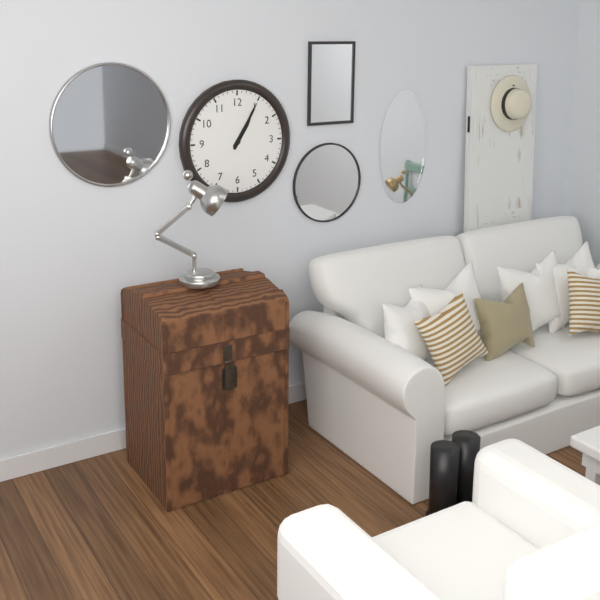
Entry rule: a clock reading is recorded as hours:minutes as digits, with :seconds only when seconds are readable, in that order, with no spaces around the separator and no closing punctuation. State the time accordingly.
1:05
